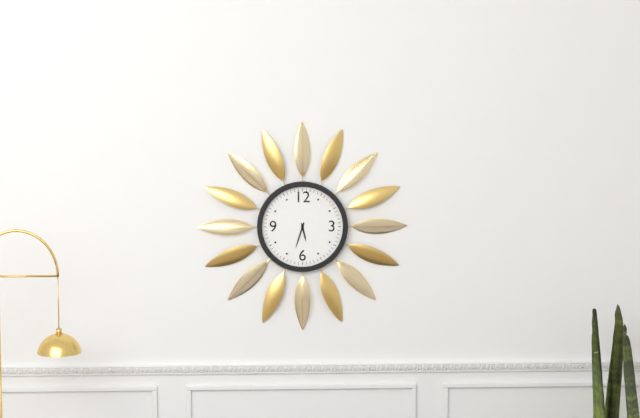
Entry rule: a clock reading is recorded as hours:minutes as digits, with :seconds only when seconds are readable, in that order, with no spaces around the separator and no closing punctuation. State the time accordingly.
5:33
